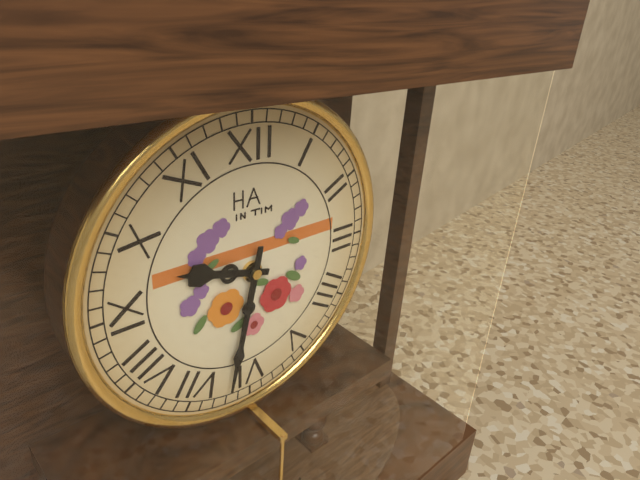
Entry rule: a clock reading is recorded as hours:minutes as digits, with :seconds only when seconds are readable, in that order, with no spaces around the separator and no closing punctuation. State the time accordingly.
9:32
